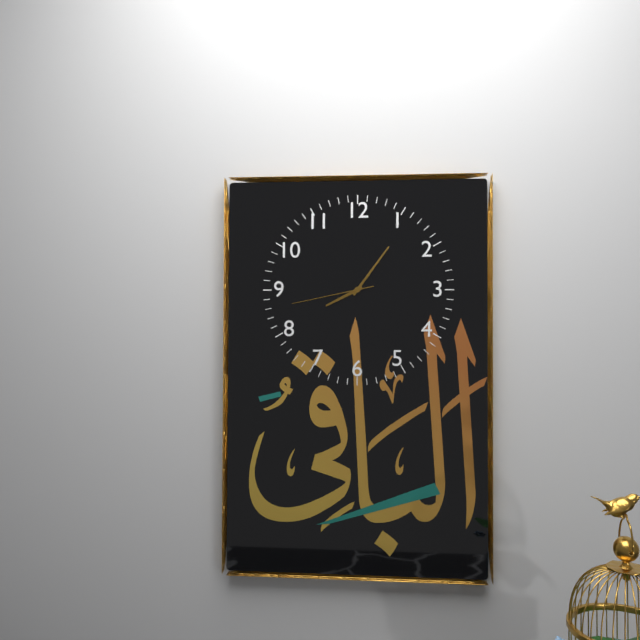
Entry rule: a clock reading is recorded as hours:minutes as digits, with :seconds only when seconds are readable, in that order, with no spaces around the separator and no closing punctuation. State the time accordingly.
8:06:43
